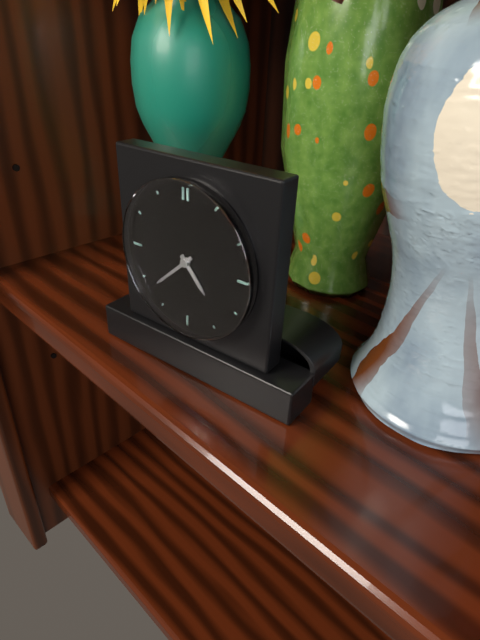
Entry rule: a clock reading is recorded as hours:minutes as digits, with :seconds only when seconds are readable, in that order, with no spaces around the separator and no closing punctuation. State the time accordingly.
4:38
